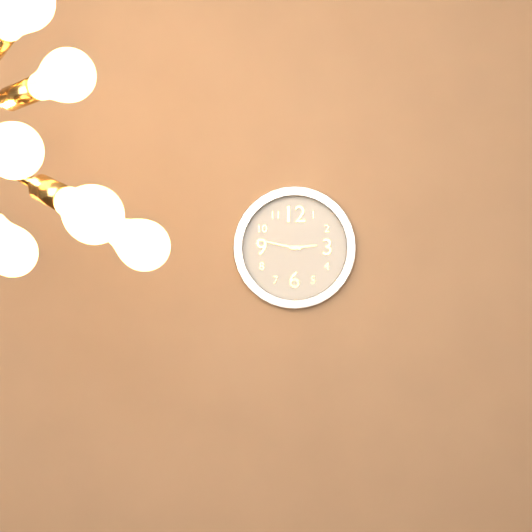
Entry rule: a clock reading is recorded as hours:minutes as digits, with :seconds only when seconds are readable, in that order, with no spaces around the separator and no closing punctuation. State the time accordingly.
2:47
